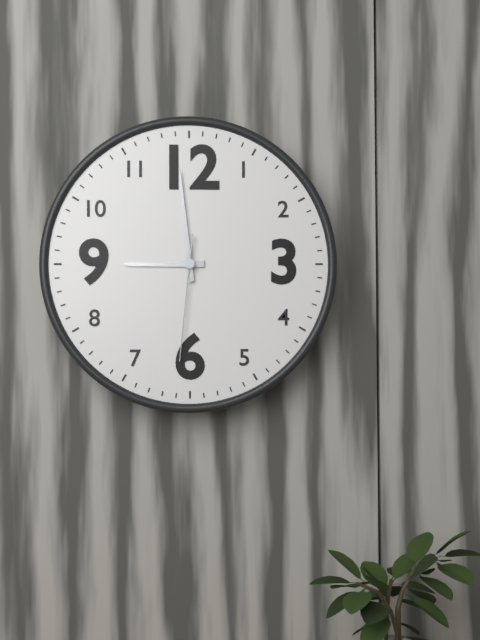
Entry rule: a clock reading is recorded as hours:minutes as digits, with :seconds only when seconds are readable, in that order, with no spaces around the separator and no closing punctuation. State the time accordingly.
8:59:31
